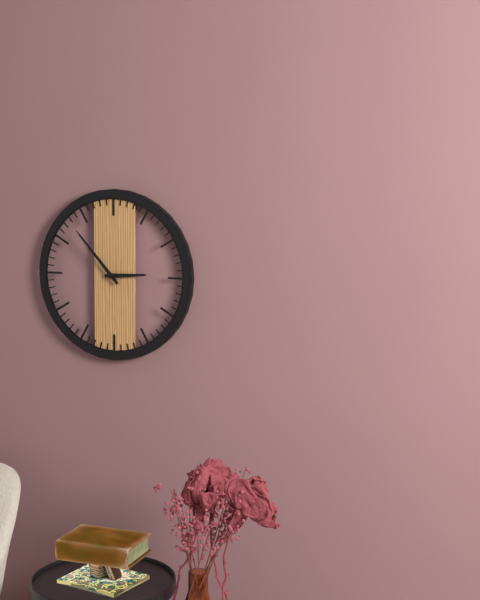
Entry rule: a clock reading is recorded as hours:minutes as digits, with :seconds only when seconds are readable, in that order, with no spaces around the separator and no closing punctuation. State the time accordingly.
2:53
